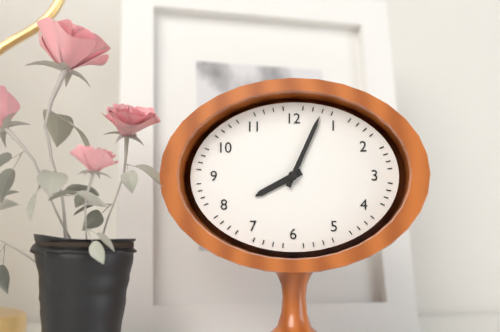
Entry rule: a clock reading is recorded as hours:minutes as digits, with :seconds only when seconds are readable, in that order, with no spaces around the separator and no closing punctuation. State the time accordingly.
8:04
